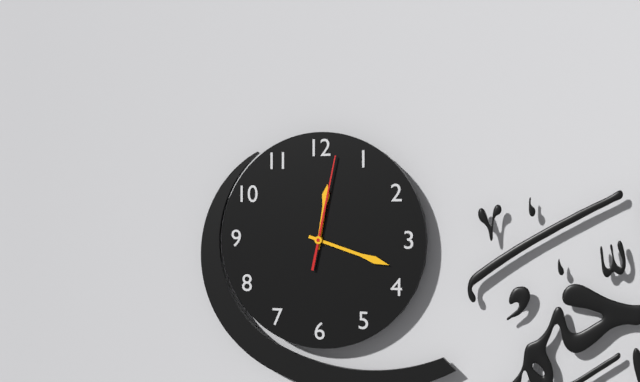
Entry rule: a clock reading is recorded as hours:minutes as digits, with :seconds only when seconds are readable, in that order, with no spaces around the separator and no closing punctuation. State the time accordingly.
12:18:02
